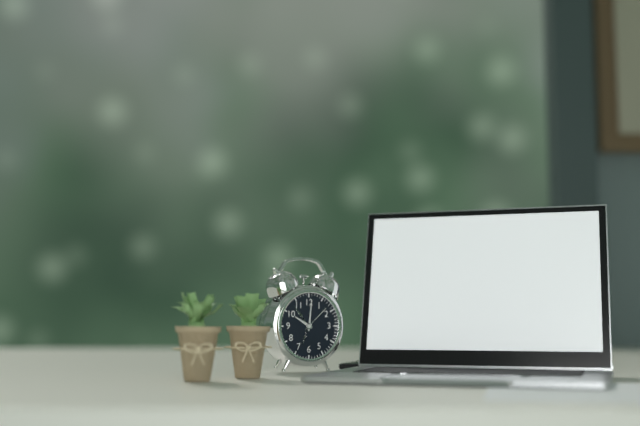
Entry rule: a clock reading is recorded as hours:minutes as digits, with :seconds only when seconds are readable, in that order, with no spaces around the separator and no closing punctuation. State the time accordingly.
10:01
